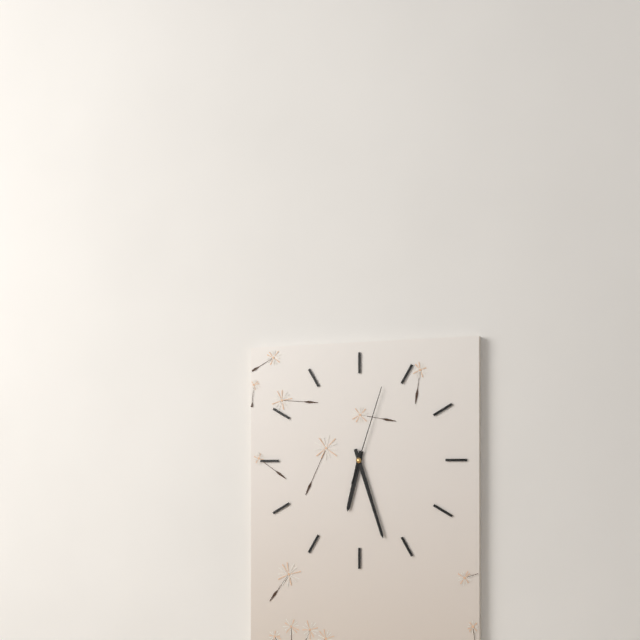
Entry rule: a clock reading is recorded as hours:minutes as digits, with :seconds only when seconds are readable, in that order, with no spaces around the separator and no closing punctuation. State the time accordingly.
6:27:03
